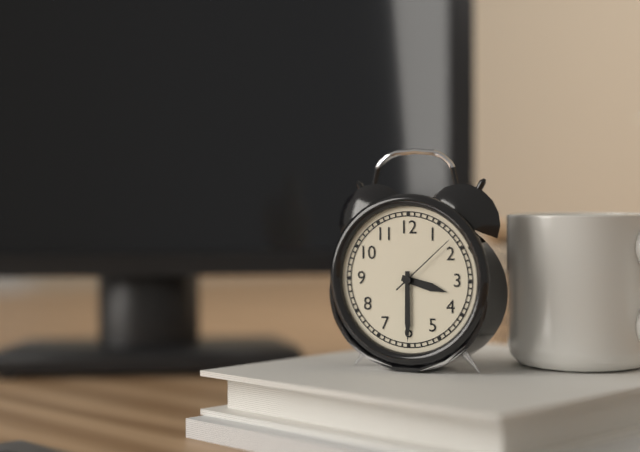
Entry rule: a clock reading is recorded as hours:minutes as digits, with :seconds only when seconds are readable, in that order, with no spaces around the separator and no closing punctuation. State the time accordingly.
3:30:08
